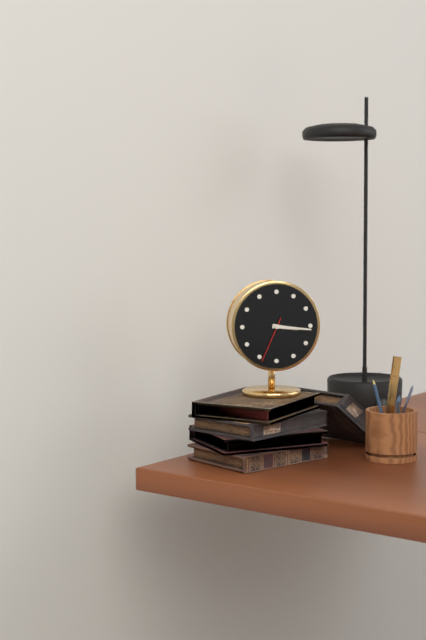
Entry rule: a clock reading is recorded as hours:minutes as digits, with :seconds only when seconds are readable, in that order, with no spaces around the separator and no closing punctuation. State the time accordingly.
3:16
